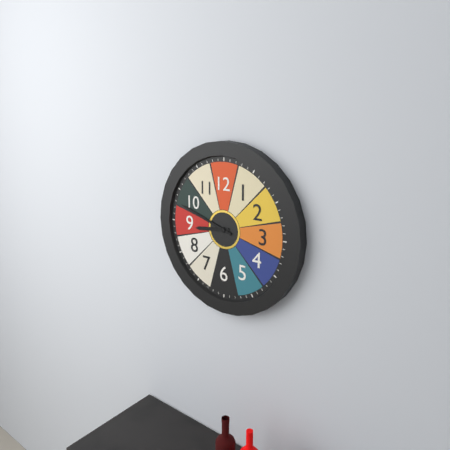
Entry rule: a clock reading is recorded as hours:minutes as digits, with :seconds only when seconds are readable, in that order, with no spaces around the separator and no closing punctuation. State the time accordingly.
8:48
